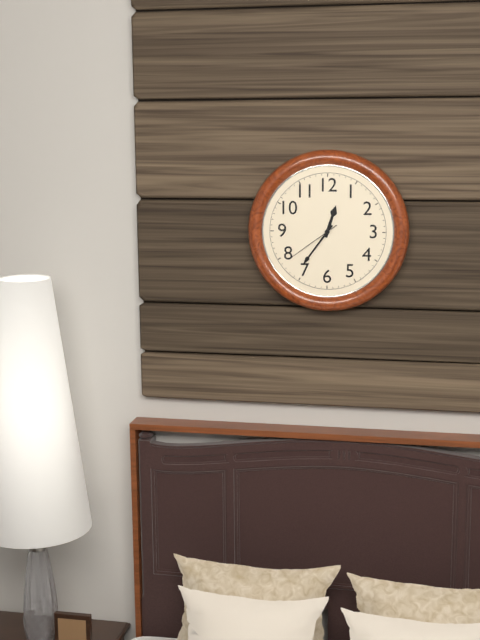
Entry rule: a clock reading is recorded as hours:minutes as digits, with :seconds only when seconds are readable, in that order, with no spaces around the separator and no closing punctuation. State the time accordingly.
12:36:39
